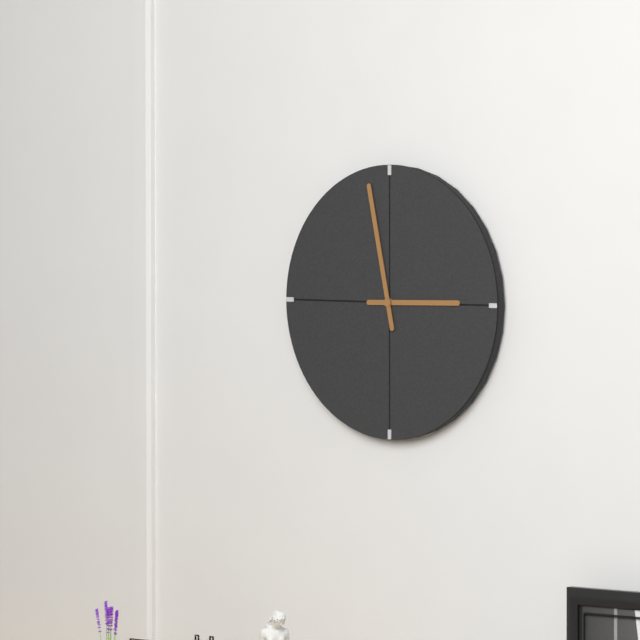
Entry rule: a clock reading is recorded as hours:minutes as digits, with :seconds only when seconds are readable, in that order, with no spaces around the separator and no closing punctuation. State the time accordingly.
2:58
